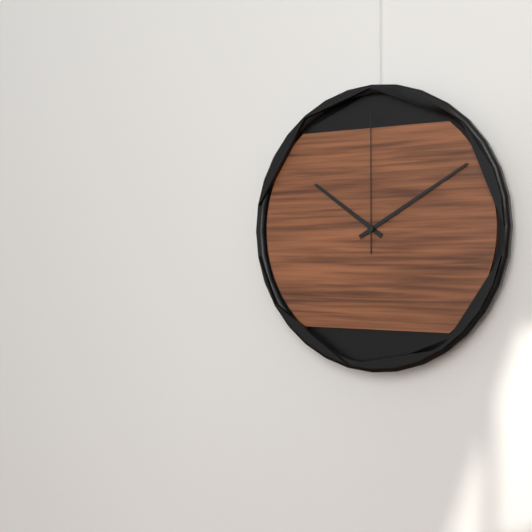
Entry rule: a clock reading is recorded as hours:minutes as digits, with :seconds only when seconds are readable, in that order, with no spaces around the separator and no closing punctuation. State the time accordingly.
10:10:00
